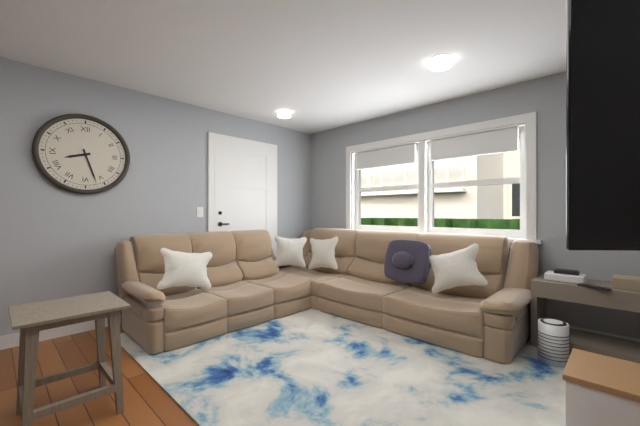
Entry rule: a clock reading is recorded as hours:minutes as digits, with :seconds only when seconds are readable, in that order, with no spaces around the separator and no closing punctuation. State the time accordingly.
8:27
